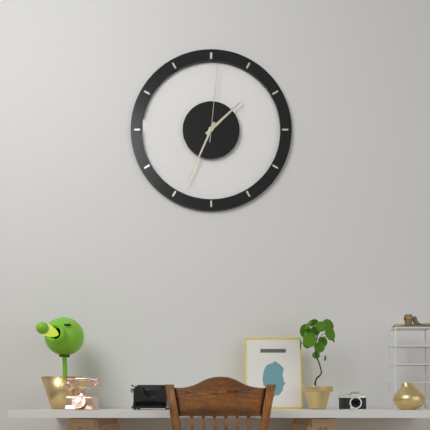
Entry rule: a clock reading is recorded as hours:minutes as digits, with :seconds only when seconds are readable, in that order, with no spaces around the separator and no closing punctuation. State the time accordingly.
1:34:01
